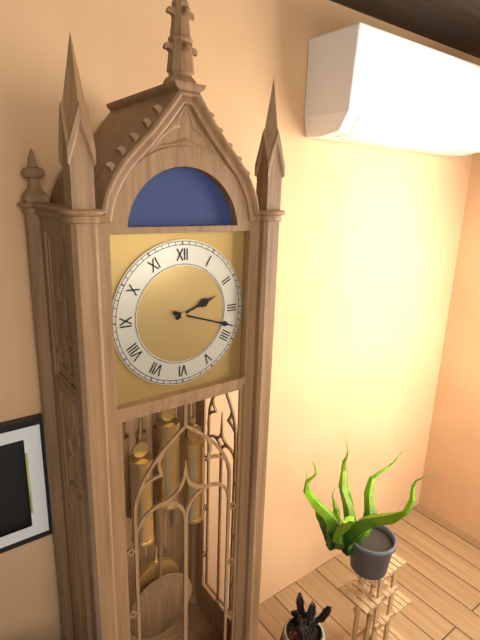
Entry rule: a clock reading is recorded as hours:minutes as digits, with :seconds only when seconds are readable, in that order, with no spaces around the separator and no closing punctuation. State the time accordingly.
2:18
